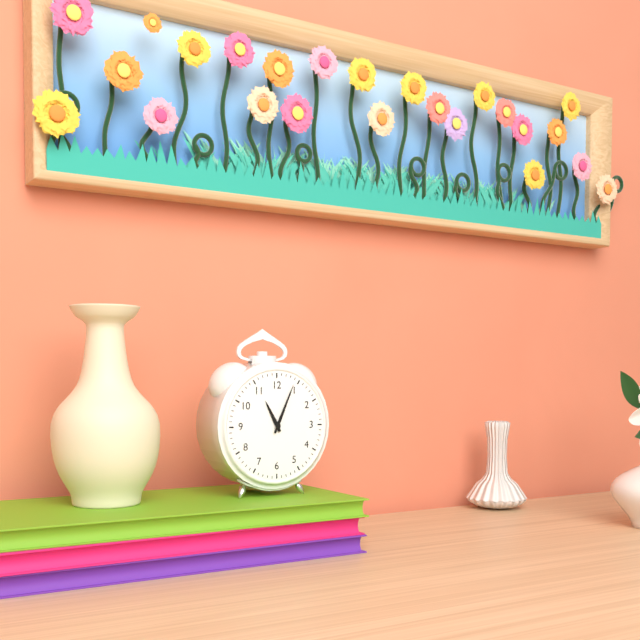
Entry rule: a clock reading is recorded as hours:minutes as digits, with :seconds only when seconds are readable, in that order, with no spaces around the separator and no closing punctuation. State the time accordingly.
11:04
